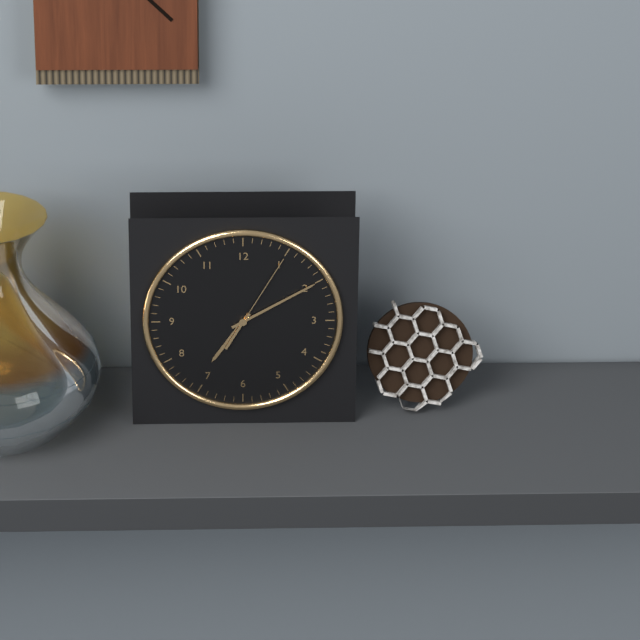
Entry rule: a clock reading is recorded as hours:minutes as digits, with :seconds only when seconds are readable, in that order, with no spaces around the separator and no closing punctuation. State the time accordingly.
7:10:05
